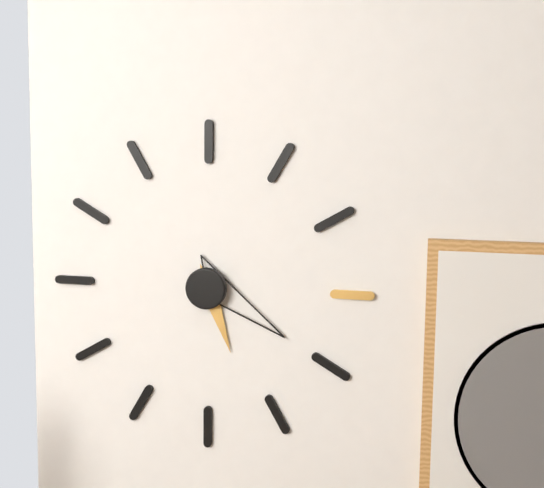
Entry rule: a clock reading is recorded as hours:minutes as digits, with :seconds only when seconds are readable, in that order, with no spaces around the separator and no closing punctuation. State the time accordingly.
5:20
